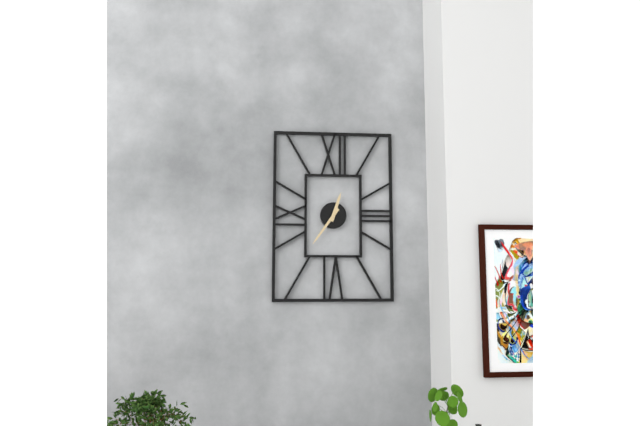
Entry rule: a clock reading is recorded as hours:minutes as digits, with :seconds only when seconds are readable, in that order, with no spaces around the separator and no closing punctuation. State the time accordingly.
12:36
